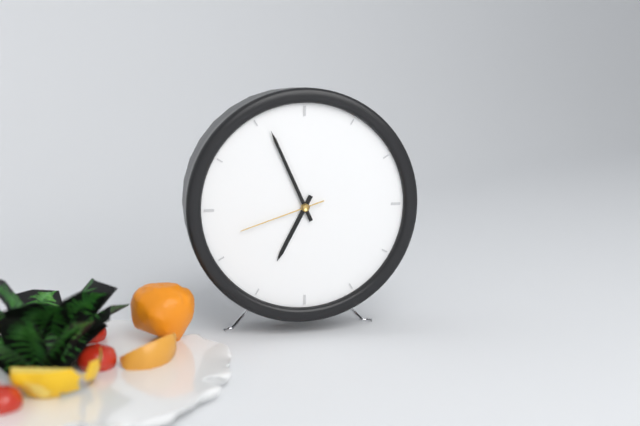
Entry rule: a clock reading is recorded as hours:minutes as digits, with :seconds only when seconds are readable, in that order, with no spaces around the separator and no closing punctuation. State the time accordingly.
6:56:42
